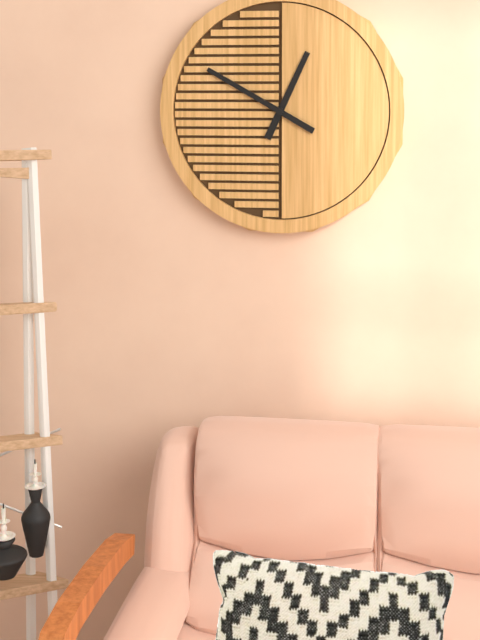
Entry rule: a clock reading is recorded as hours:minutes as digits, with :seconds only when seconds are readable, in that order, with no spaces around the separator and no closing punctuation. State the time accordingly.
12:50
